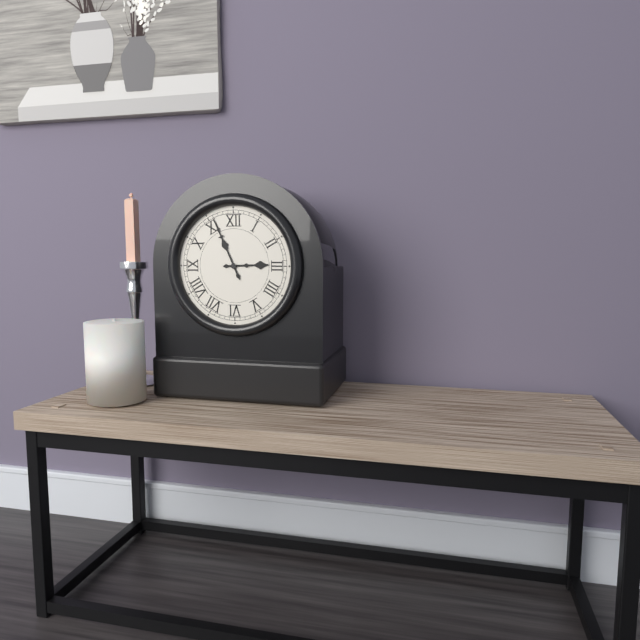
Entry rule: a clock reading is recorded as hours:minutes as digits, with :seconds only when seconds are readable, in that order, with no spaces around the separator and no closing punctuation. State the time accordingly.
2:56
